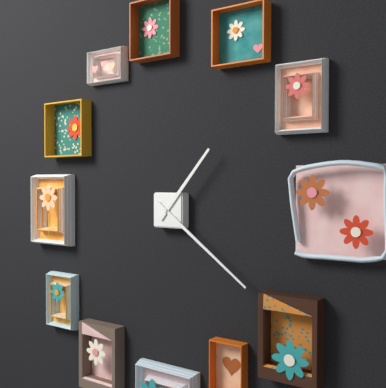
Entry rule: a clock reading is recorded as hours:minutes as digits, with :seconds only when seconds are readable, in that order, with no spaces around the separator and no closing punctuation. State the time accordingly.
1:21
